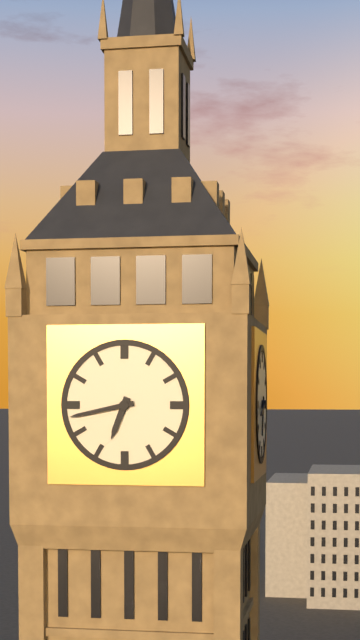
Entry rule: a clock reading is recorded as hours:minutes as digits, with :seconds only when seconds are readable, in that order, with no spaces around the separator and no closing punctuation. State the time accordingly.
6:43
